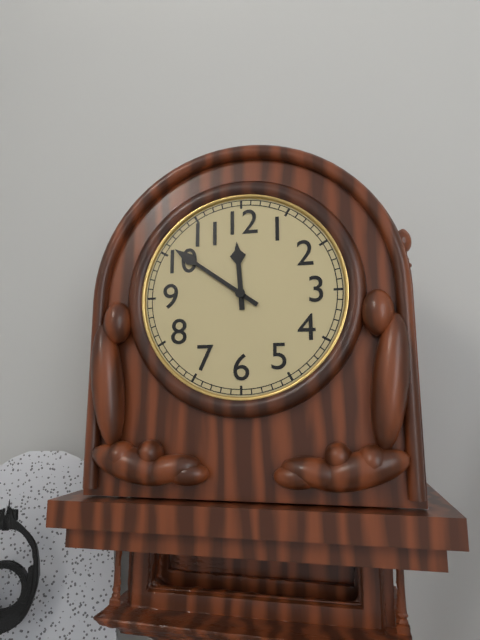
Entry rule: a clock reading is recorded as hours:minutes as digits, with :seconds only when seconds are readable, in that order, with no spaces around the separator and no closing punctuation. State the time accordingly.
11:51
